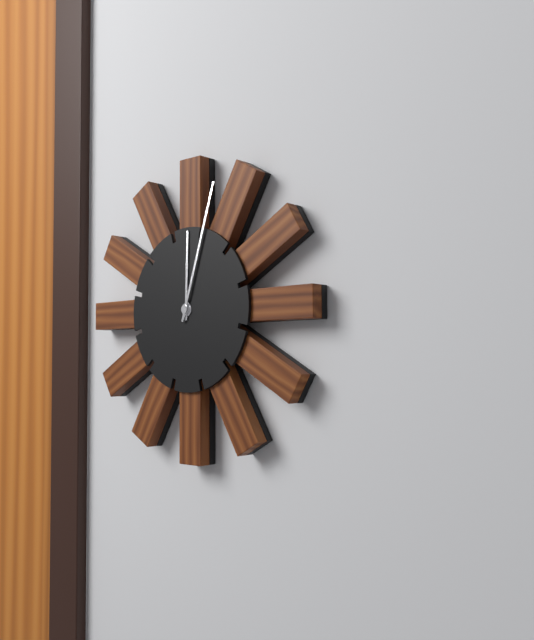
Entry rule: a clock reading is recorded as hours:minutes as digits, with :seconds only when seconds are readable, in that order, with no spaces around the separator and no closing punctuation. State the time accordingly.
12:03
